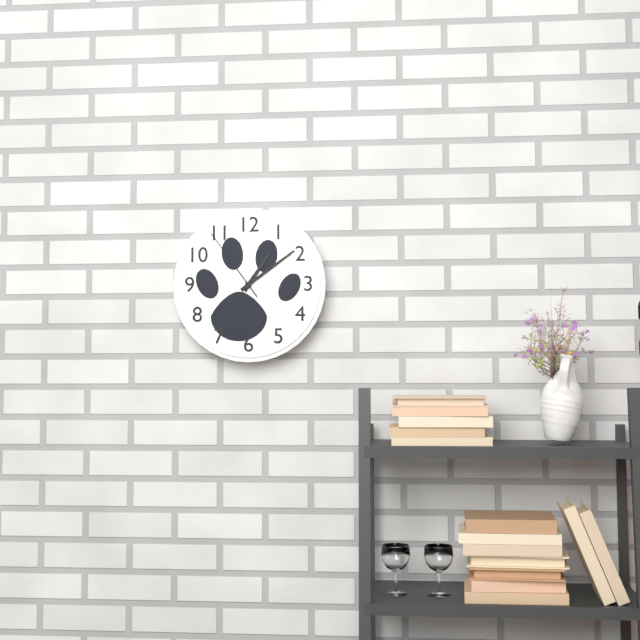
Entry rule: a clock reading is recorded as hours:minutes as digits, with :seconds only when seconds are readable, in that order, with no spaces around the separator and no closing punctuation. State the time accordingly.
1:09:54
